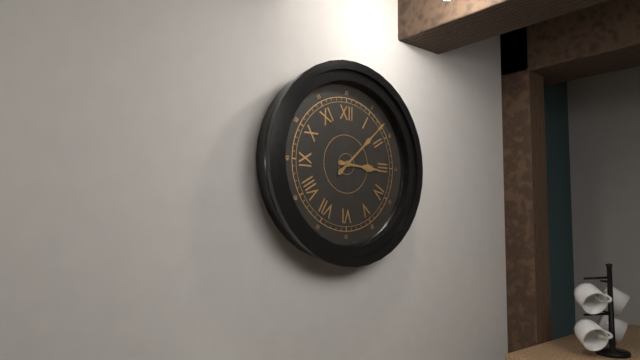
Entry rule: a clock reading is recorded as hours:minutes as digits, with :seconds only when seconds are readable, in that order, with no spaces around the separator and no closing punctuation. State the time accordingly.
3:08
